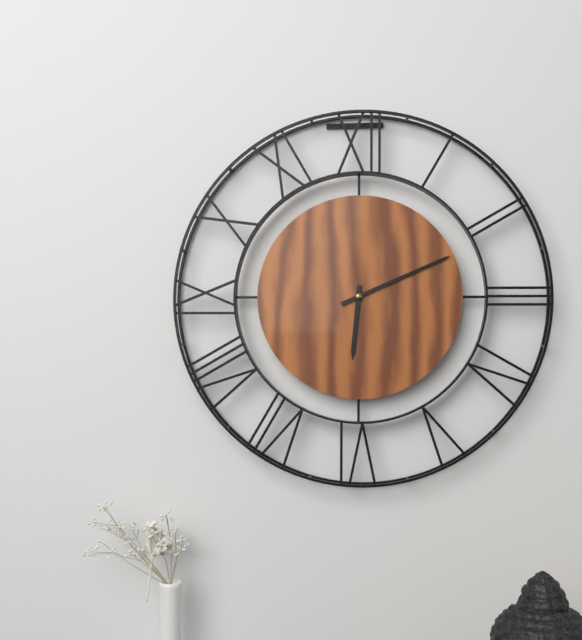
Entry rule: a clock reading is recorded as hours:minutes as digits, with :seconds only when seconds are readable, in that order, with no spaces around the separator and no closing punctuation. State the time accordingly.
6:11
